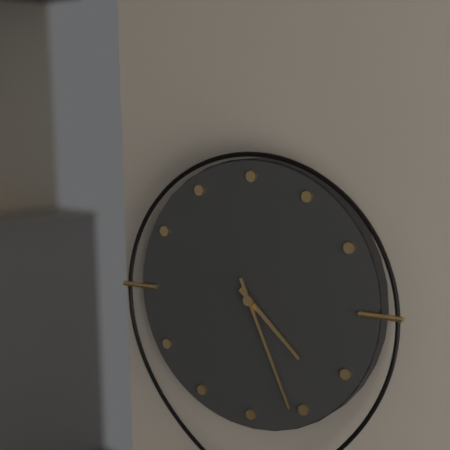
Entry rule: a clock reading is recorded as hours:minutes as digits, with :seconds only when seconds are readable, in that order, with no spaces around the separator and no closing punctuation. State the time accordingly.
4:26
